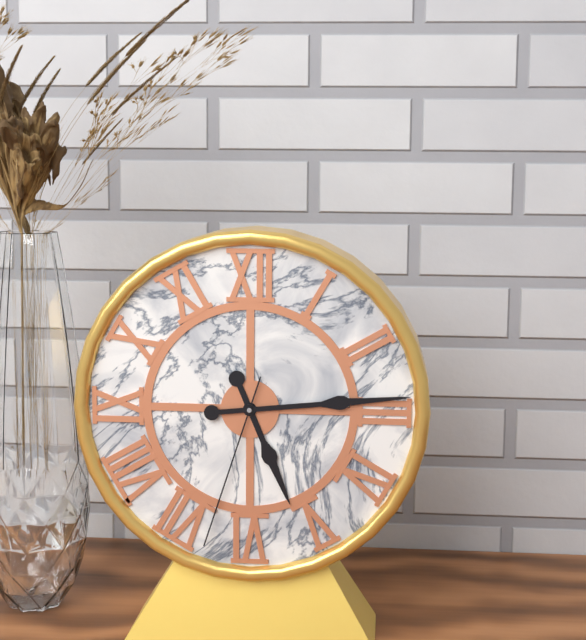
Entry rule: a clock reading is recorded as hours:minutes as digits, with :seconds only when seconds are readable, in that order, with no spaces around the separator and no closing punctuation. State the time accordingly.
5:14:33
